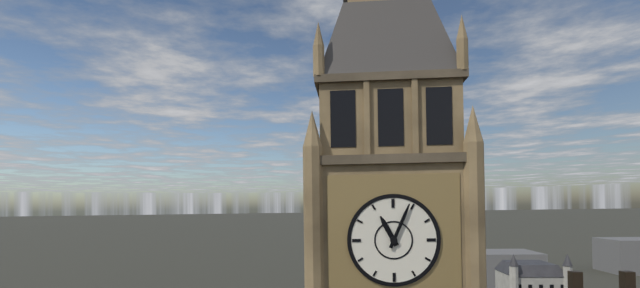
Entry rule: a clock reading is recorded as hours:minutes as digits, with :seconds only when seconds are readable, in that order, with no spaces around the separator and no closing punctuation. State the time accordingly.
11:04
